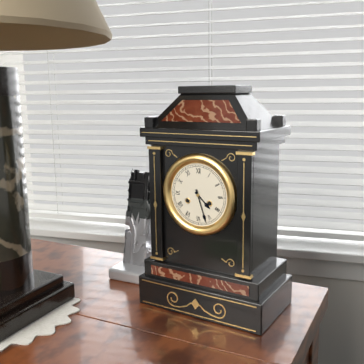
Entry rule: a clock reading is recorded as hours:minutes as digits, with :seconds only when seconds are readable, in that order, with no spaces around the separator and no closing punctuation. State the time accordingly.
4:27
